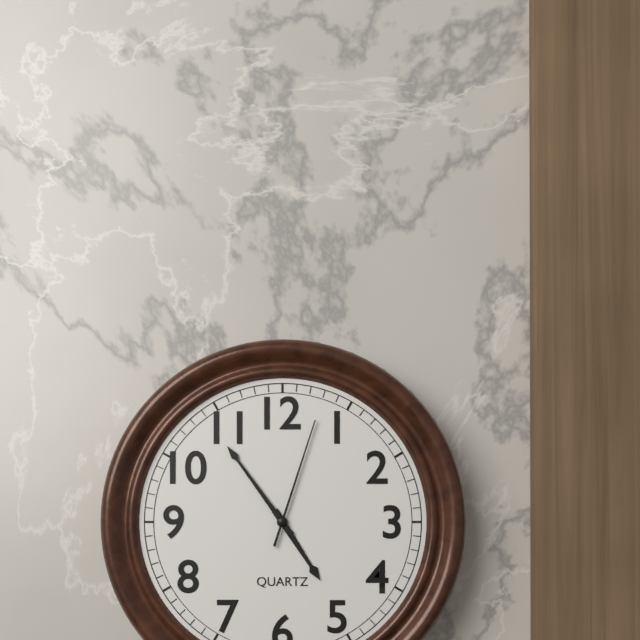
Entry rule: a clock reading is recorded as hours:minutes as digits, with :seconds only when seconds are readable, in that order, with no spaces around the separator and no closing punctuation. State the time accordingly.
4:54:03
